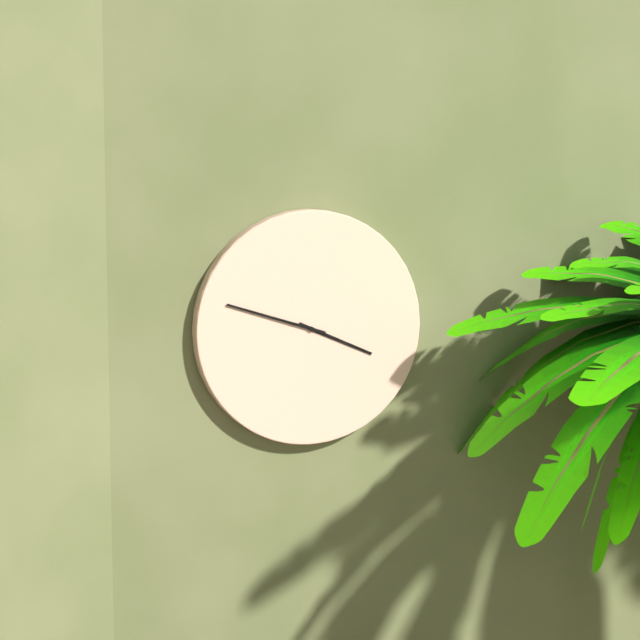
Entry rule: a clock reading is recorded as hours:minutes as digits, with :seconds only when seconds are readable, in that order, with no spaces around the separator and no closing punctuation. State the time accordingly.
3:48
